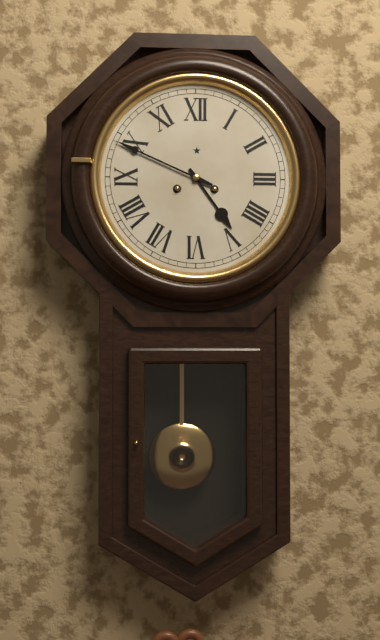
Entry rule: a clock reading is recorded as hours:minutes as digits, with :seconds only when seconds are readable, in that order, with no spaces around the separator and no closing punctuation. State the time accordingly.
4:49
